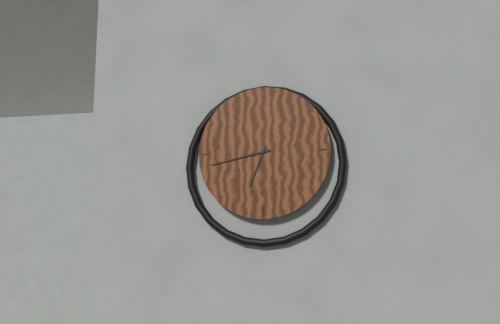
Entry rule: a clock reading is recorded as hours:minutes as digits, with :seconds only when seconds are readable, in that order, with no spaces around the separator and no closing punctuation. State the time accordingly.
6:43
